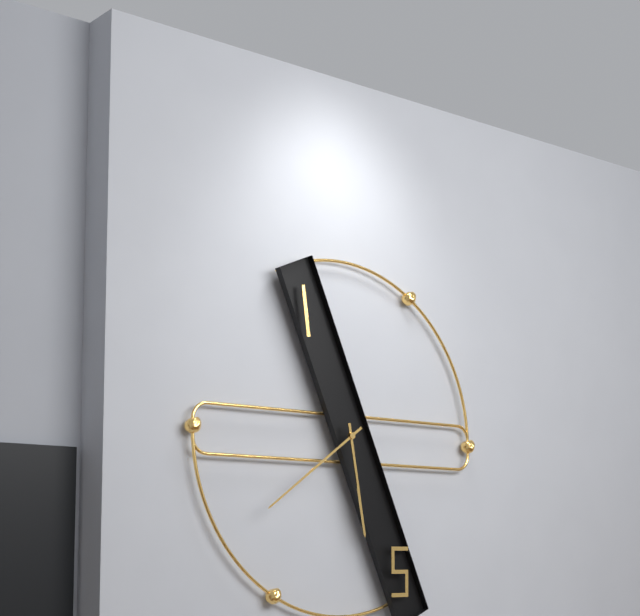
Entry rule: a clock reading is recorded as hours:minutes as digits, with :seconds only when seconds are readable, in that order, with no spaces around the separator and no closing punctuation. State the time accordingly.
5:39
